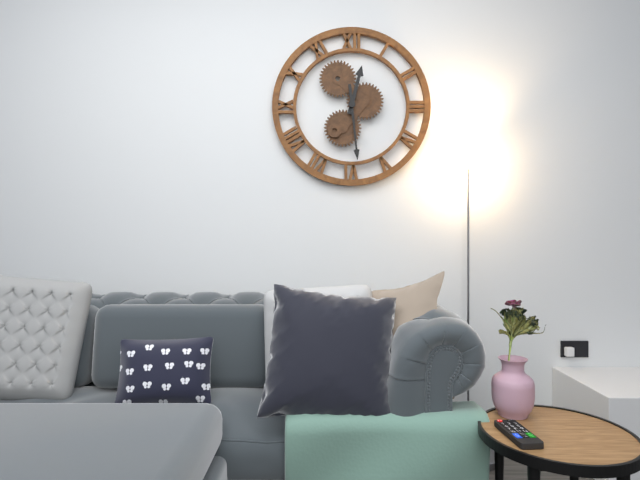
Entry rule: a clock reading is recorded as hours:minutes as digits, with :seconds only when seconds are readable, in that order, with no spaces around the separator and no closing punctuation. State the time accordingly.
12:29
